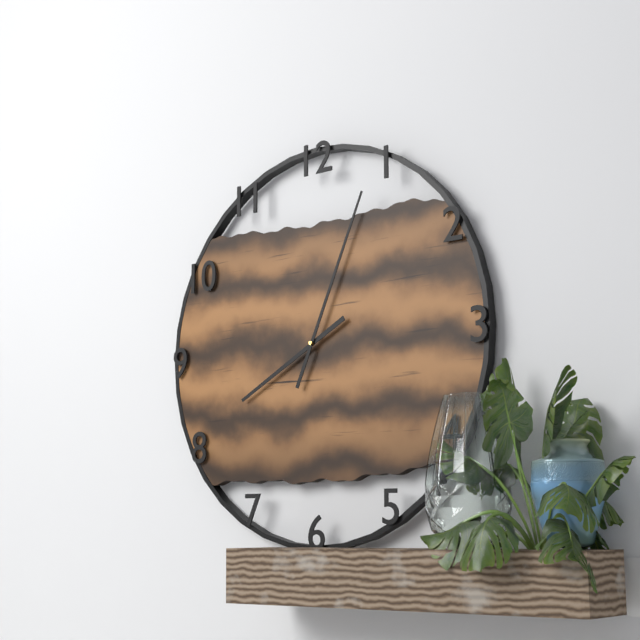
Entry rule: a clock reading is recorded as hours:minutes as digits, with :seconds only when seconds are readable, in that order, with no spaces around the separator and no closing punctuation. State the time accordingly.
8:04
